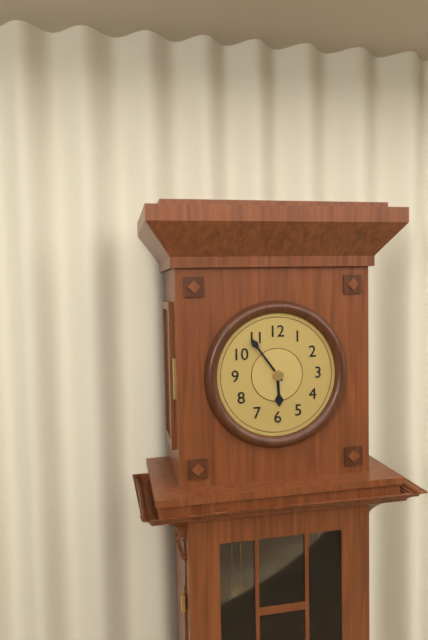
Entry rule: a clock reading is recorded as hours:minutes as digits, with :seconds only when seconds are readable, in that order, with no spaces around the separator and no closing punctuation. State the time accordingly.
5:54
